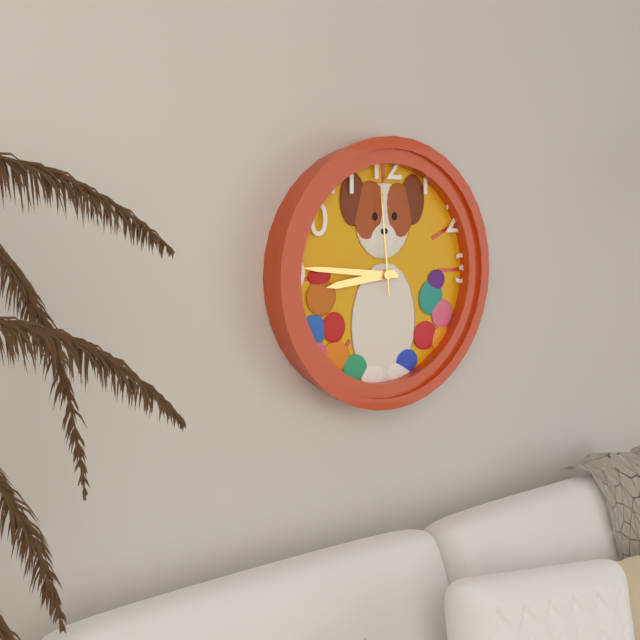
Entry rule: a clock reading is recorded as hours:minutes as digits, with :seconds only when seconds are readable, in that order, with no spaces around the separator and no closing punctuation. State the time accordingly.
8:46:59
